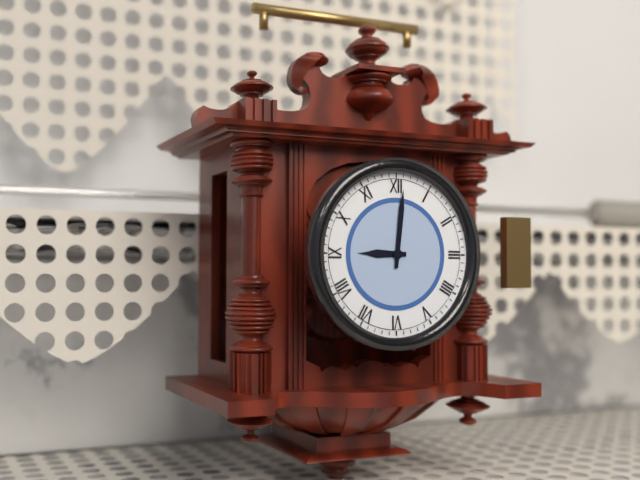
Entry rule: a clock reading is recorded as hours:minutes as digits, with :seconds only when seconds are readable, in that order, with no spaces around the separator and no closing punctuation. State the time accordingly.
9:01
